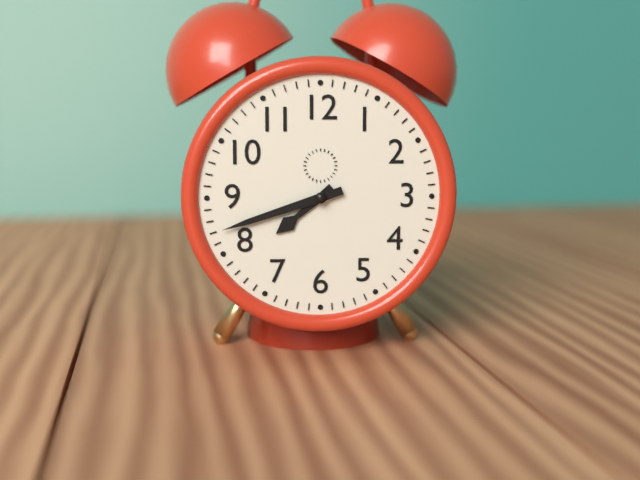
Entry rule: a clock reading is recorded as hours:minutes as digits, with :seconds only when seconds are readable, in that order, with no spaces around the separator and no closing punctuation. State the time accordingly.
7:42
